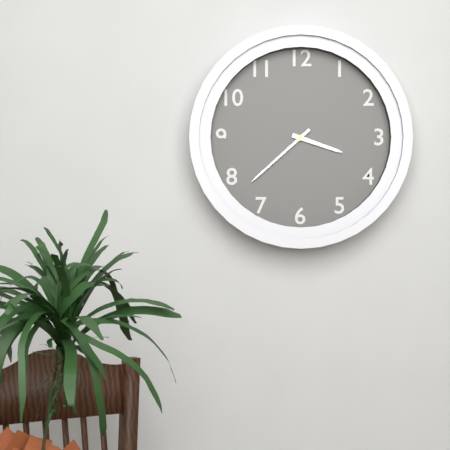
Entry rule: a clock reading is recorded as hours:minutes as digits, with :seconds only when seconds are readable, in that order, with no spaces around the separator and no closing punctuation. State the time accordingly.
3:38
